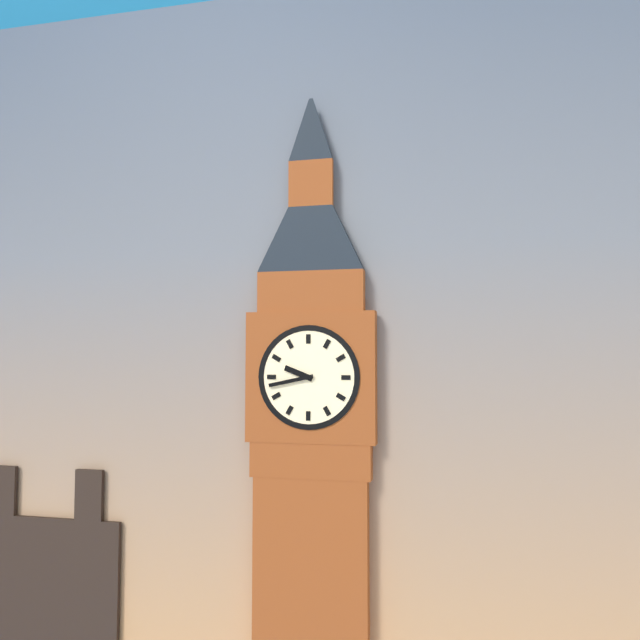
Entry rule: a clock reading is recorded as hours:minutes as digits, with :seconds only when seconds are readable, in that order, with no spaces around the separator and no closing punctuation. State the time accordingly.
9:43
